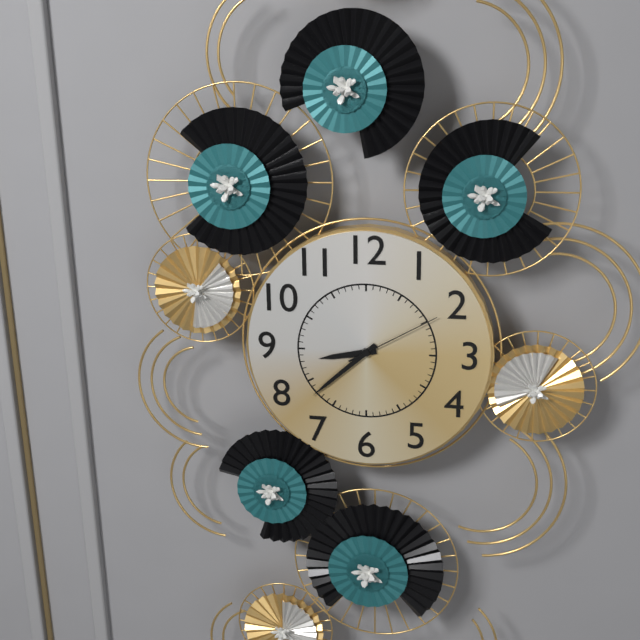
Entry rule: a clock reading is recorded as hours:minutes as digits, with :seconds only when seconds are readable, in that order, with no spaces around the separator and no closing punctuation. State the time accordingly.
8:38:10
